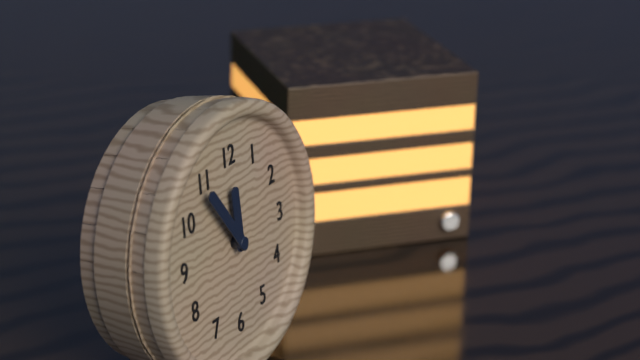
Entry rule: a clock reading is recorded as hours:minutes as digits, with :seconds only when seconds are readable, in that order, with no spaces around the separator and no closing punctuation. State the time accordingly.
11:54
